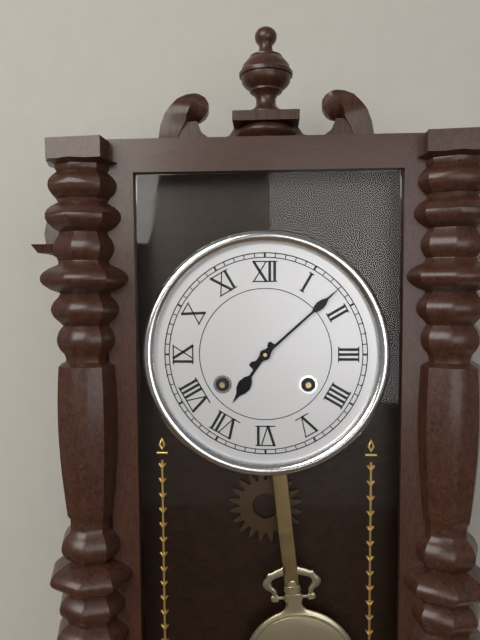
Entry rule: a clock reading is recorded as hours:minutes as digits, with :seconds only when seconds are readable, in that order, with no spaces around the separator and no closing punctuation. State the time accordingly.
7:08
